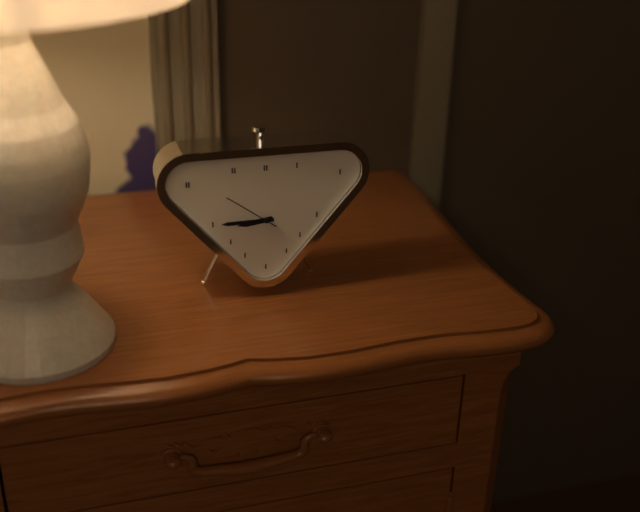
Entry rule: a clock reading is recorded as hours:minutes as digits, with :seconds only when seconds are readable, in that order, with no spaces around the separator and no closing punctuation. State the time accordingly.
8:45:51
